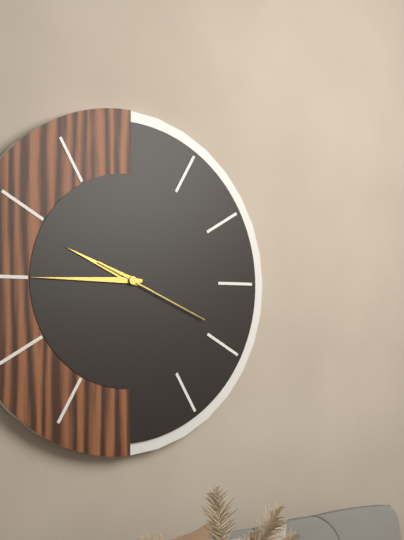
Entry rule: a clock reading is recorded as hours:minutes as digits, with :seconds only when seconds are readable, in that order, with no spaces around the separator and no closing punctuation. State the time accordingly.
9:45:19
